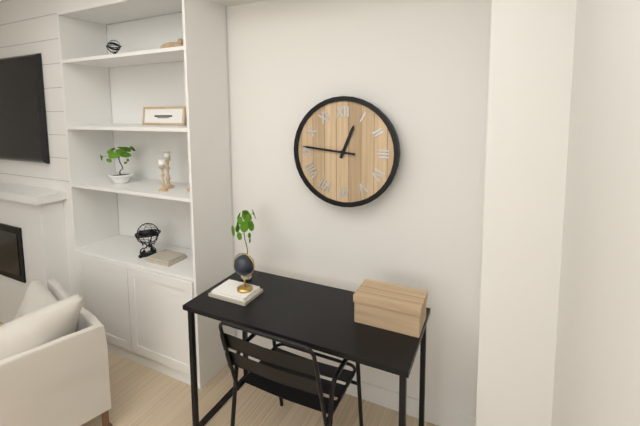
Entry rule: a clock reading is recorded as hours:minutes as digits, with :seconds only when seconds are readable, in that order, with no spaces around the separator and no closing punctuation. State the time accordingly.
12:46
